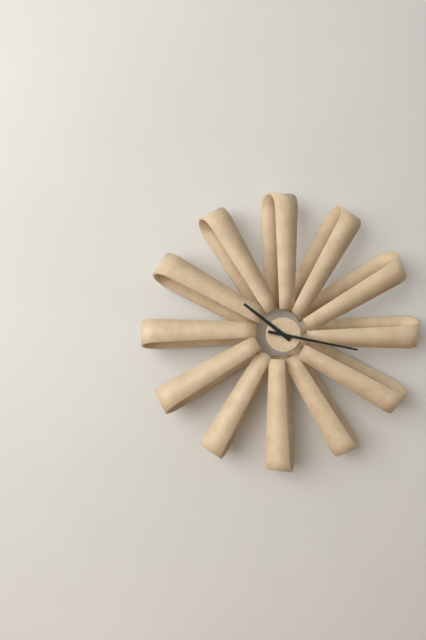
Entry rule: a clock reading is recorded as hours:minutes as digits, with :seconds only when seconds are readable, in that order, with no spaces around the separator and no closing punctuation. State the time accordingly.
10:17
